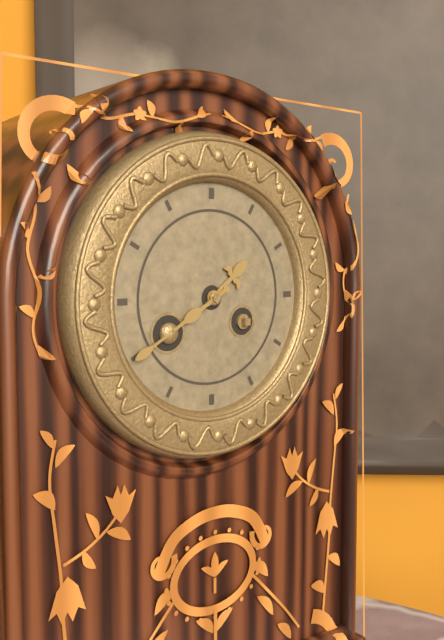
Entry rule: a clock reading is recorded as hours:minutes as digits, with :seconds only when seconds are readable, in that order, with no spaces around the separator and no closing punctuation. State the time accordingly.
1:40
